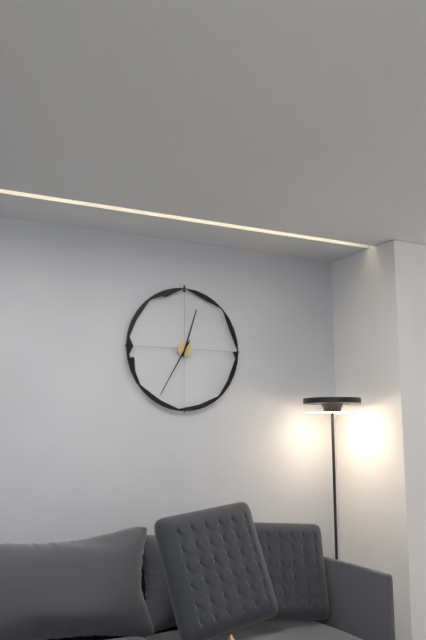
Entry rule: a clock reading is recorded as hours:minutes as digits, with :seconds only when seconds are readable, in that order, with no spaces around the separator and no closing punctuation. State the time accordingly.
12:35
